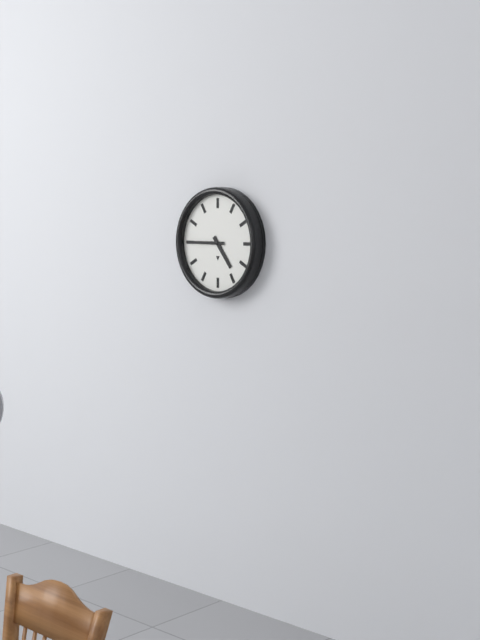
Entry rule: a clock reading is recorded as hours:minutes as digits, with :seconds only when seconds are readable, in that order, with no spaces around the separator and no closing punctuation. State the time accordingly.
4:45
